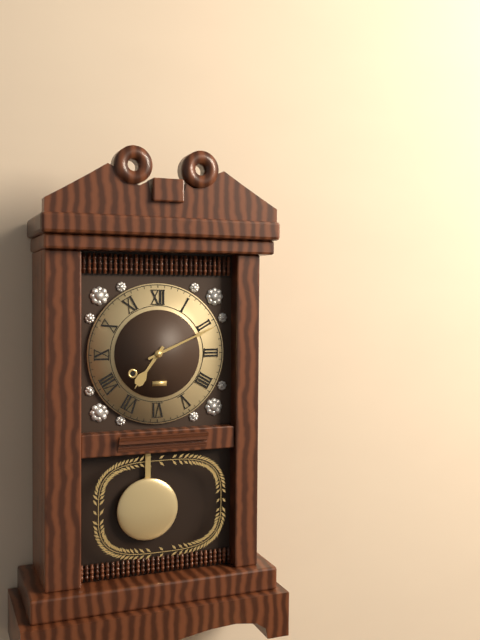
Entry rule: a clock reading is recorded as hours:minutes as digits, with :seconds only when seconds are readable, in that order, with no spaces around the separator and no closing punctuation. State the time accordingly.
7:11
